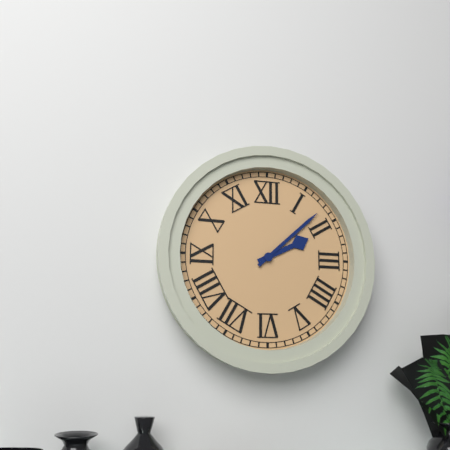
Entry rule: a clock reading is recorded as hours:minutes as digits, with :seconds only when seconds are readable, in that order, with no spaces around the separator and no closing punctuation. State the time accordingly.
2:08
